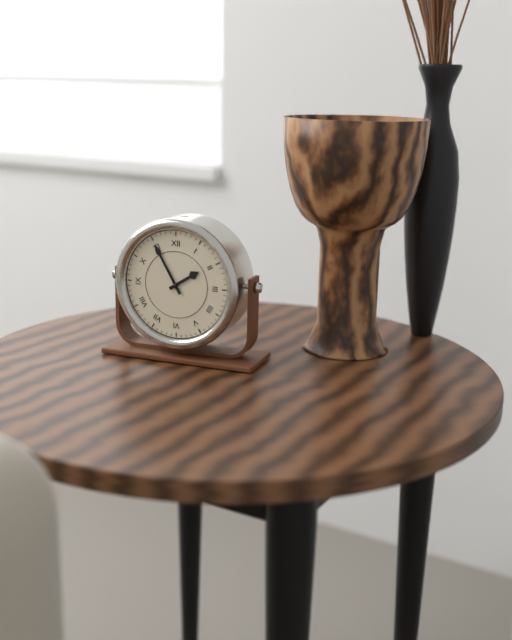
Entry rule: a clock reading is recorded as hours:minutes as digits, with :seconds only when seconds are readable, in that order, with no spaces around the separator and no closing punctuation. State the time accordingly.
1:55
